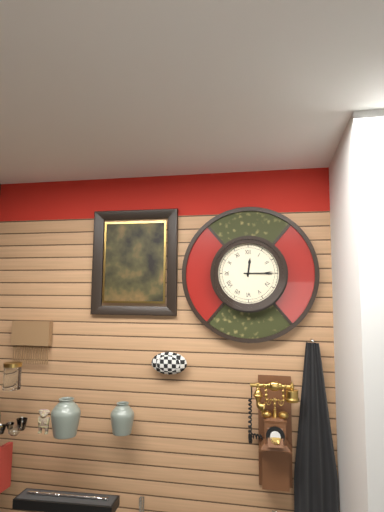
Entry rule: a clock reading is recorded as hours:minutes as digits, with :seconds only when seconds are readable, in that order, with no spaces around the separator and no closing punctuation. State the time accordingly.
12:15
